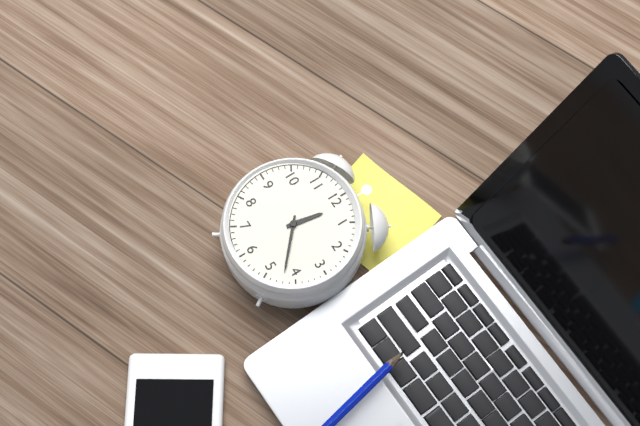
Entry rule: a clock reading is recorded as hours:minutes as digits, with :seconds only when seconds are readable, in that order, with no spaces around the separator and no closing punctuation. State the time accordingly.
12:22
